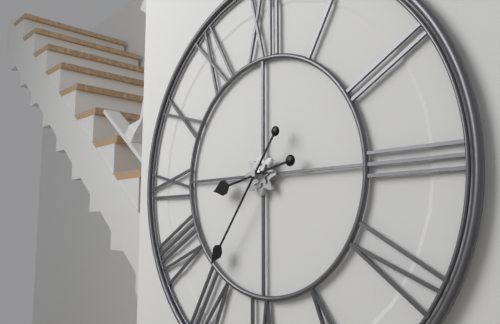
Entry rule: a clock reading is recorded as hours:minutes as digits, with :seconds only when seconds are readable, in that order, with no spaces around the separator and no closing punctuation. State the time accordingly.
8:36
